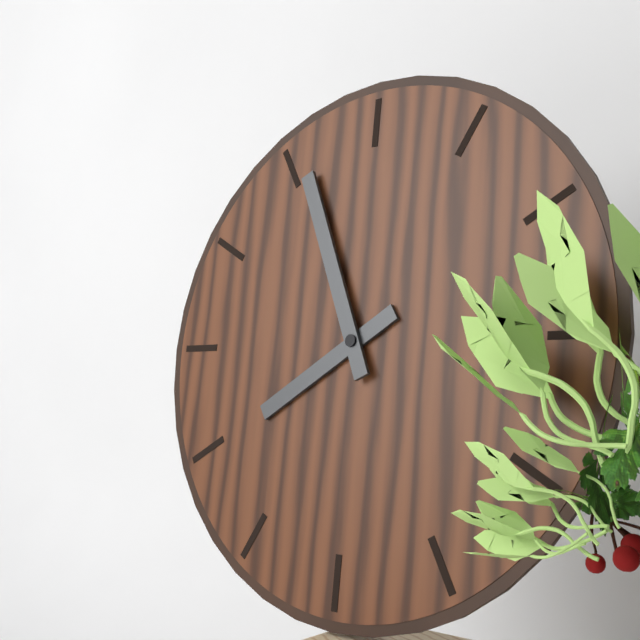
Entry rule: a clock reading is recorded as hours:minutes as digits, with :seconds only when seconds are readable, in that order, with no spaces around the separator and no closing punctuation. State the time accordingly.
7:56
